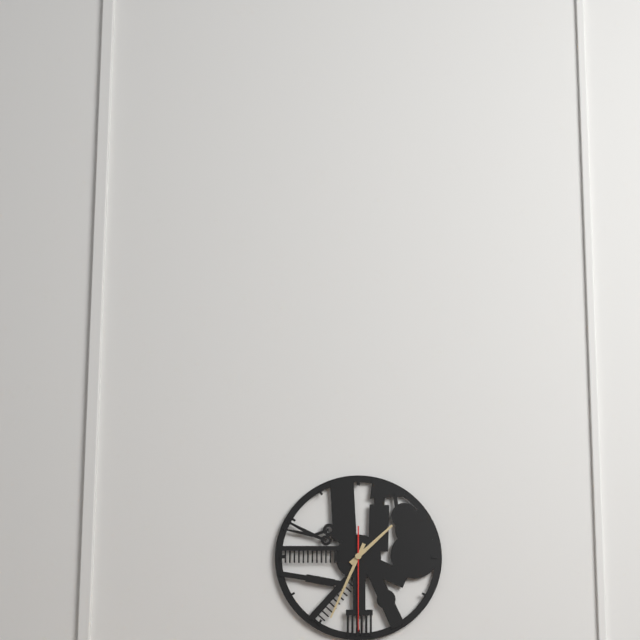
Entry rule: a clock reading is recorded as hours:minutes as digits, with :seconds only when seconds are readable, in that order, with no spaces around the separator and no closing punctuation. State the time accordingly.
1:34:30
